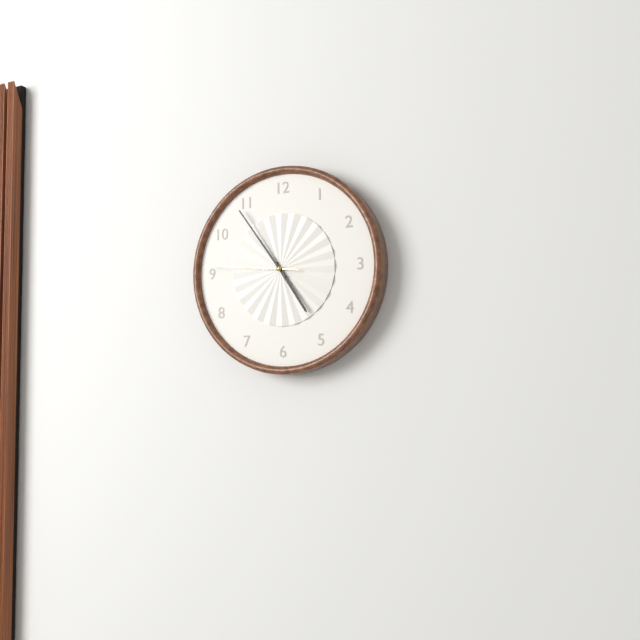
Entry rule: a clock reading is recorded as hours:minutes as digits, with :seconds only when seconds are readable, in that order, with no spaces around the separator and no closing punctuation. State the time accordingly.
4:54:46
